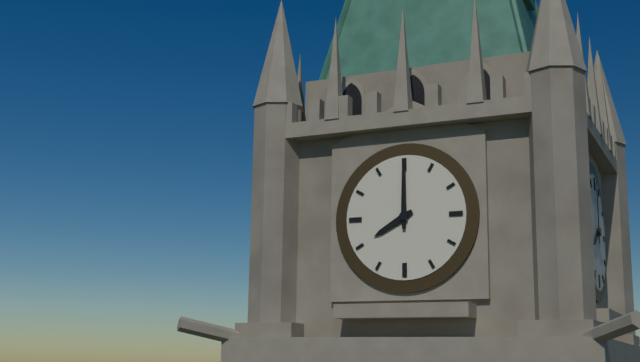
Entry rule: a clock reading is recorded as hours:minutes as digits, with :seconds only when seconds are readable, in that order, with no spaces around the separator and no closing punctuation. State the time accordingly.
8:00
